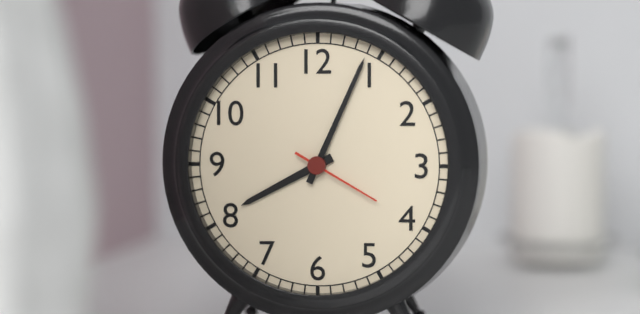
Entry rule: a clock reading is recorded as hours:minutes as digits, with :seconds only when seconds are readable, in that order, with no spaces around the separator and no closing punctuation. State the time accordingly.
8:04:20
